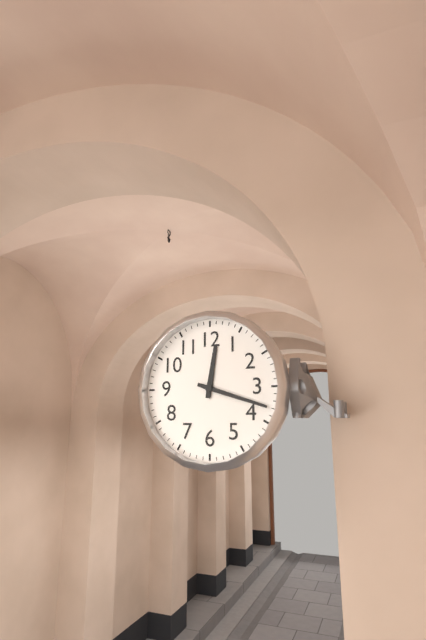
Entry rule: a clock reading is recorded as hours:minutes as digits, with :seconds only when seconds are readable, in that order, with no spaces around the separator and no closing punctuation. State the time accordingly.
12:18
